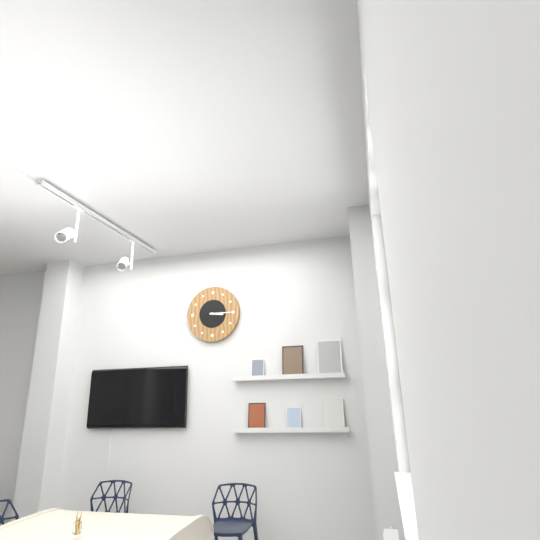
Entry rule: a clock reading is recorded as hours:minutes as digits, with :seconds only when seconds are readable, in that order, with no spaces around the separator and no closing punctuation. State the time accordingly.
3:15
